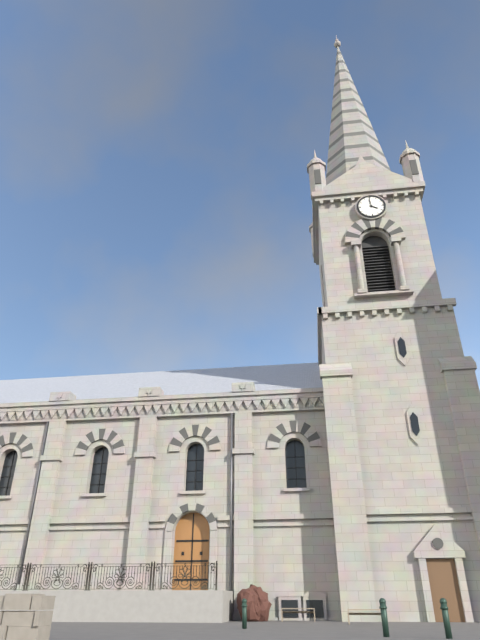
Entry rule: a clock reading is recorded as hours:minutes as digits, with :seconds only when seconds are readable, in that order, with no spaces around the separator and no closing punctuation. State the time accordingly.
3:59
